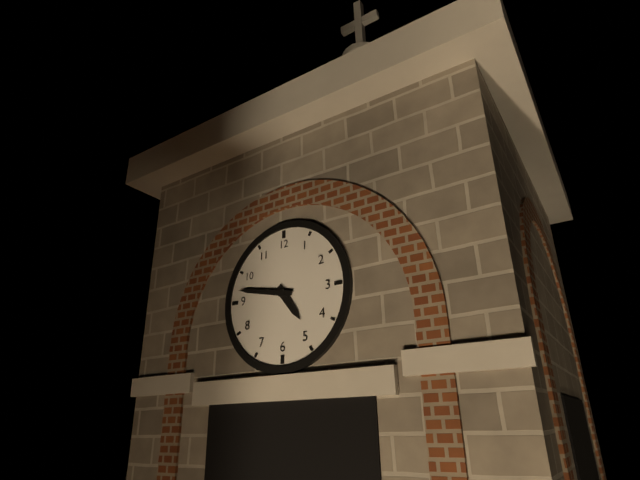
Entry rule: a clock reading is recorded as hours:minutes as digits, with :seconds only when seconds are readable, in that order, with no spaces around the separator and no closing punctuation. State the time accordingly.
4:47
